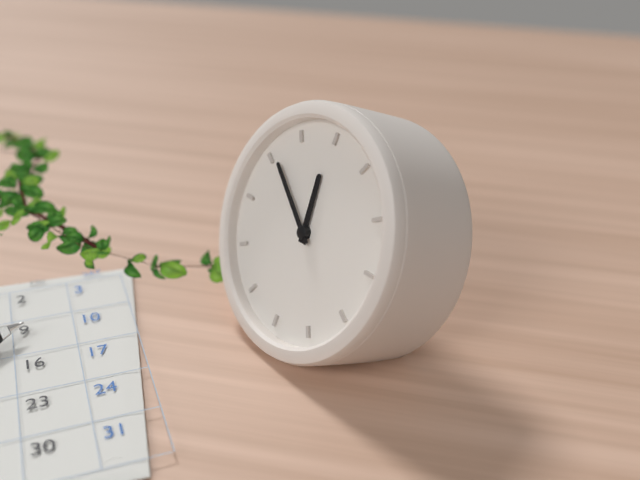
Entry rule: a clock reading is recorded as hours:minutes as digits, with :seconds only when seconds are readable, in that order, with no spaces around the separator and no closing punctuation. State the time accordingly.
11:51
